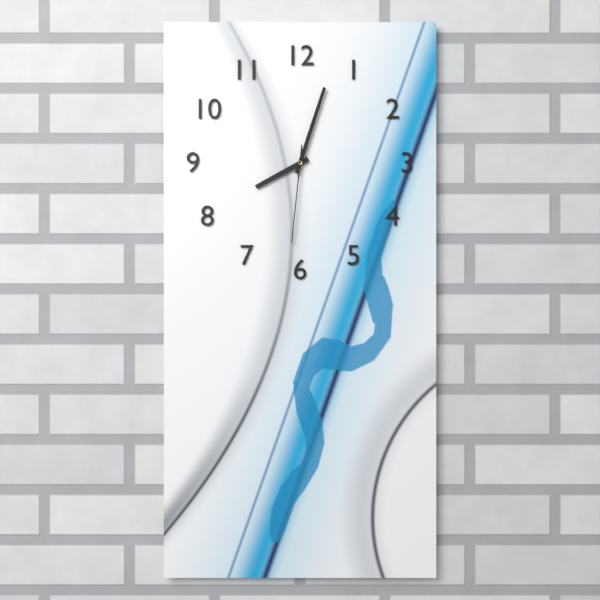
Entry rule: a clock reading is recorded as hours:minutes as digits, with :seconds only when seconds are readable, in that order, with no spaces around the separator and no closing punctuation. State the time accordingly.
8:03:31
